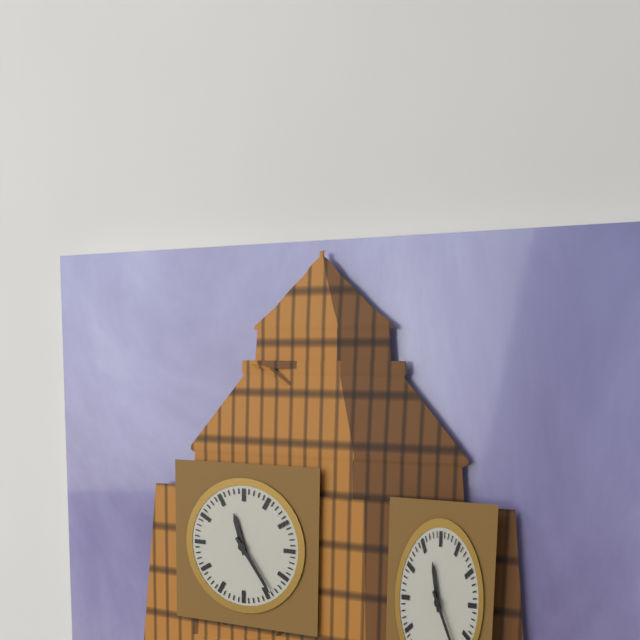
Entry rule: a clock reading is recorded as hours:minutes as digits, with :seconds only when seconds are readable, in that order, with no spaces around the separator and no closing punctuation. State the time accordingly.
11:24
